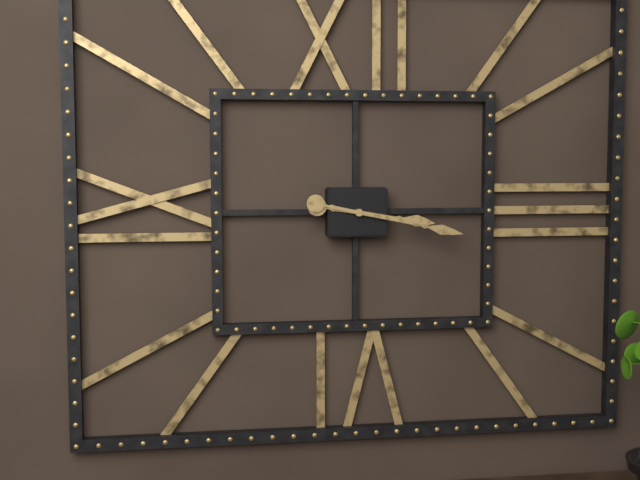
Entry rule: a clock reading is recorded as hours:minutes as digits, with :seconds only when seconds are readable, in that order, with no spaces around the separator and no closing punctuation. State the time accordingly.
3:17
